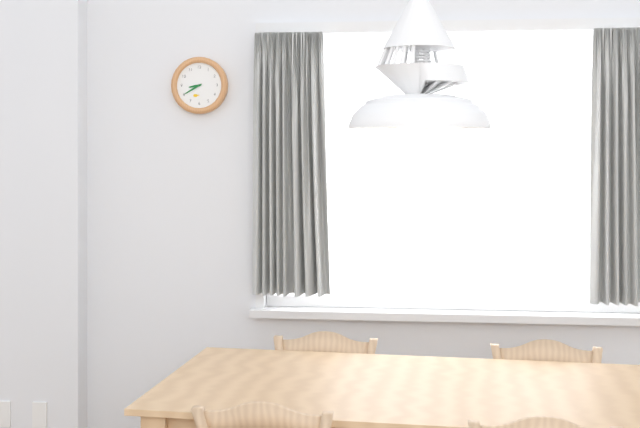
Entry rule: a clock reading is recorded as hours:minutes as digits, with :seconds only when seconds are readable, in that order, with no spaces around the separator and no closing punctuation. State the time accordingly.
8:40
